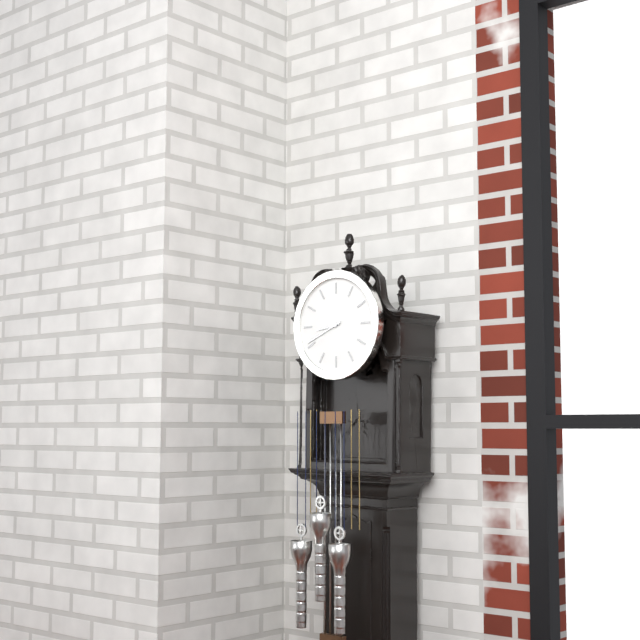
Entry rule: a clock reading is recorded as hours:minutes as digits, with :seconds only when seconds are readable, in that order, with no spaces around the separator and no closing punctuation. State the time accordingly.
8:41
